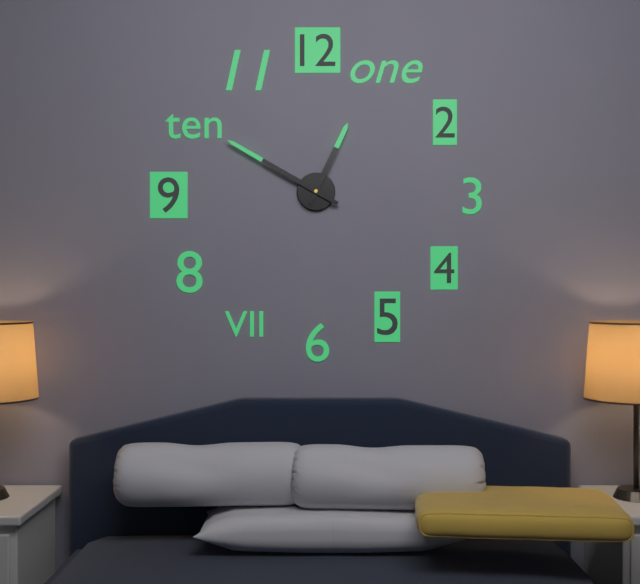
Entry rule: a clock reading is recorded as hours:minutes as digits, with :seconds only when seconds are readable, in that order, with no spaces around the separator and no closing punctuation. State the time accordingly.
12:50
